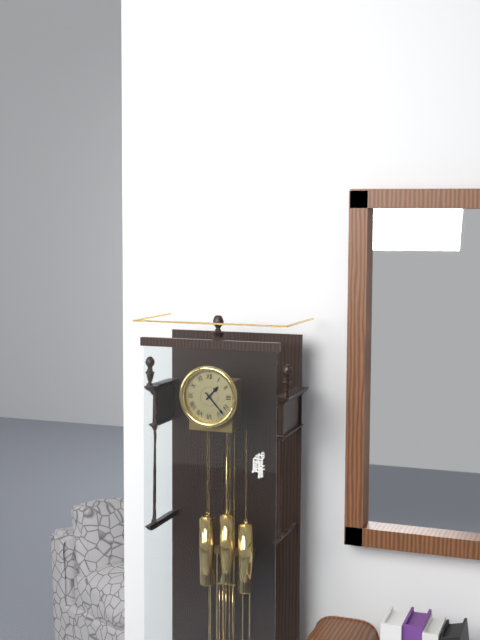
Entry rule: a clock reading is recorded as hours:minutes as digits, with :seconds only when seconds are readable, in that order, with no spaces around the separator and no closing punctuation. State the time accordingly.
1:23
